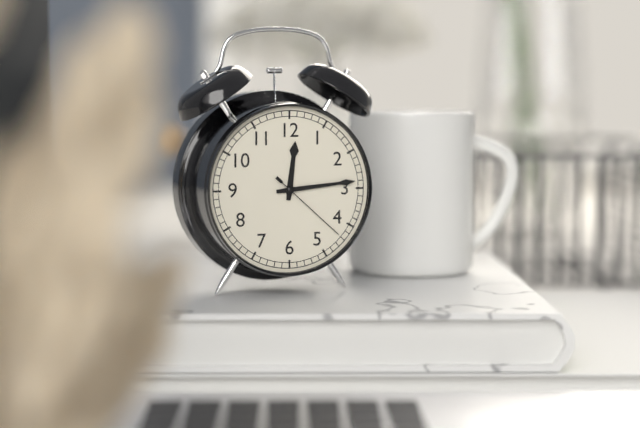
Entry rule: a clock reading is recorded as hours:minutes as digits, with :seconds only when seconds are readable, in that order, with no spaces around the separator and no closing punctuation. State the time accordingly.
12:14:22
